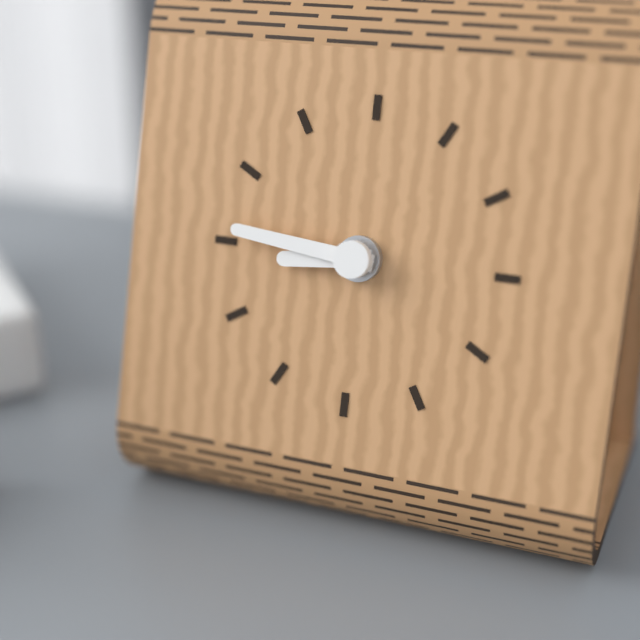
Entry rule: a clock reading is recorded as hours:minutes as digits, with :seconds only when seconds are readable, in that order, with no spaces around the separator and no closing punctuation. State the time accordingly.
8:46
